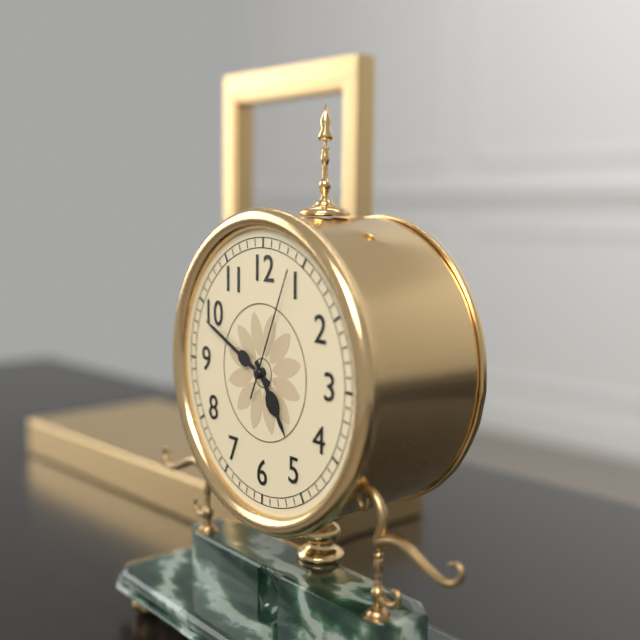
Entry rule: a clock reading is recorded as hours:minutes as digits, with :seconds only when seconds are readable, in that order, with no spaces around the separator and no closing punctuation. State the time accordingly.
4:49:04
